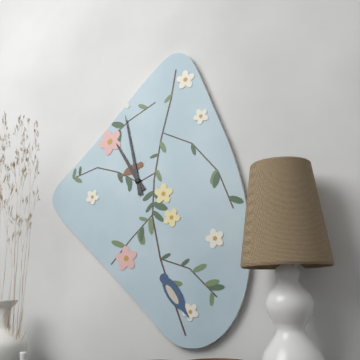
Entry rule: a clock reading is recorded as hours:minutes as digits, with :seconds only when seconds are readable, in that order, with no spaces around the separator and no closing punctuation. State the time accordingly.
10:58
